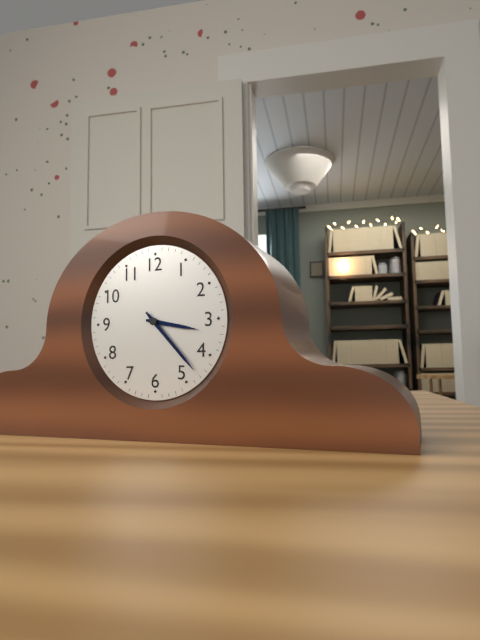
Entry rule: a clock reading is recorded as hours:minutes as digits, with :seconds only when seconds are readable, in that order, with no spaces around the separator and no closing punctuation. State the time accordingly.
3:23
